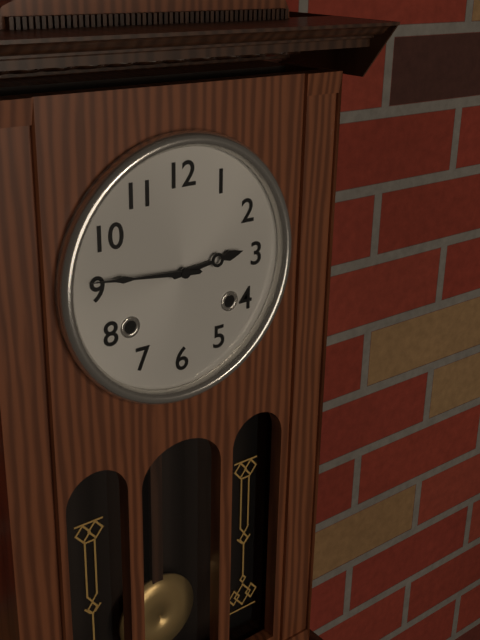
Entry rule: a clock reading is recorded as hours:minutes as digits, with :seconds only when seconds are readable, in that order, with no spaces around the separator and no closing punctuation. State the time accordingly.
2:46
